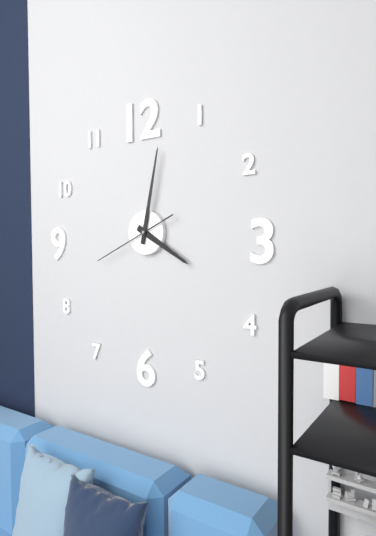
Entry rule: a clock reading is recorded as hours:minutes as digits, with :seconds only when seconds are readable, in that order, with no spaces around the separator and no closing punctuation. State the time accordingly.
4:02:41
